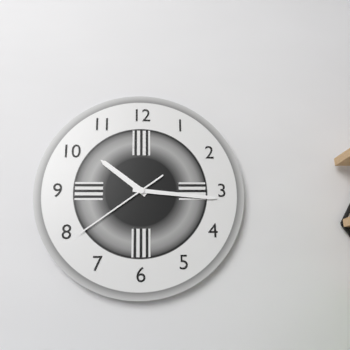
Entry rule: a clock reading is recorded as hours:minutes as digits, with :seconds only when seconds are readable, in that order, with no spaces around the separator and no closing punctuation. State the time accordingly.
10:16:39
